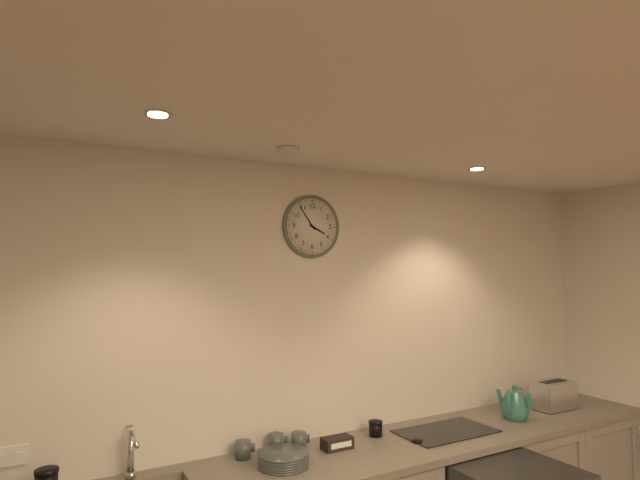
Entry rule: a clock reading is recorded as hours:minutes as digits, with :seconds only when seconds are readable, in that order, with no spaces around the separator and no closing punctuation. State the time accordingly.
3:54
